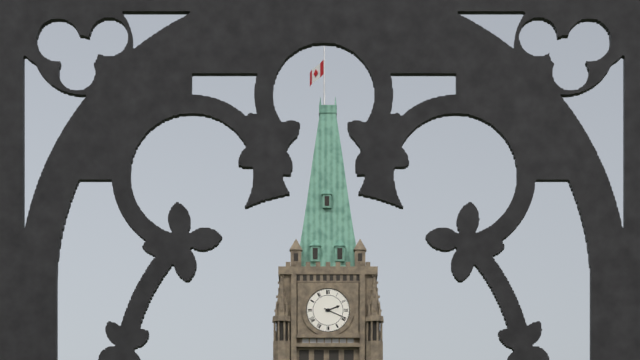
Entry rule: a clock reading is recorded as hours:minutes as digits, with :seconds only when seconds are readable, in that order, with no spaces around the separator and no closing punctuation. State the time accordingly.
2:19
